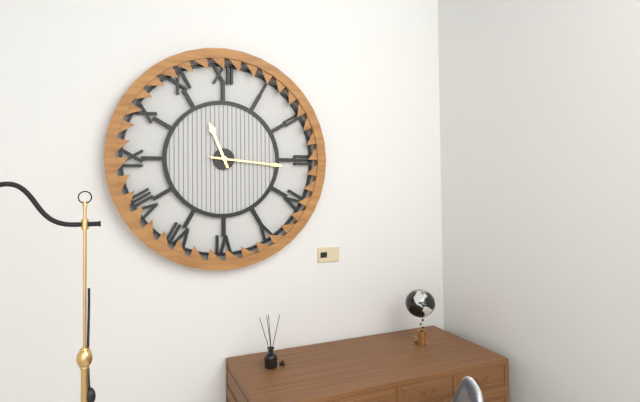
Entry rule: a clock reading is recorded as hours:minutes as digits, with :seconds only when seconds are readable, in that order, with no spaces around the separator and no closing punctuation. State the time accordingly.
11:16
